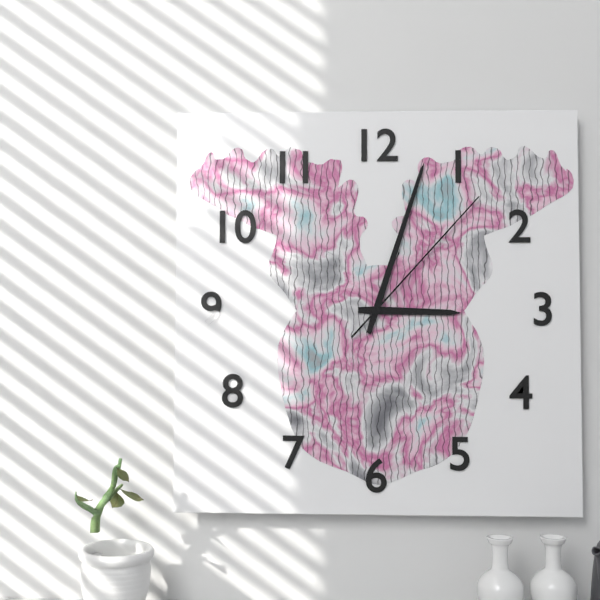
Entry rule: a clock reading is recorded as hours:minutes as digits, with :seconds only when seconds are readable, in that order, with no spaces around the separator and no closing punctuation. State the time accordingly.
3:03:07
